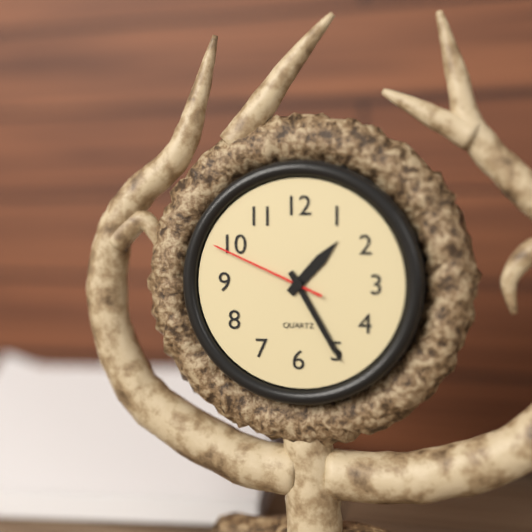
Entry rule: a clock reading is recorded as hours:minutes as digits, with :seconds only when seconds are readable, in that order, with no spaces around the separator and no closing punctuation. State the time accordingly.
1:25:49
